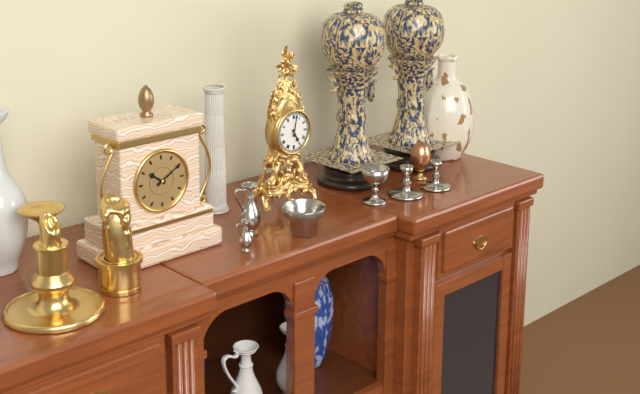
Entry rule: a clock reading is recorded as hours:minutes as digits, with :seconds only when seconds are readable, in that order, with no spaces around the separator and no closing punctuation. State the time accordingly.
5:02
